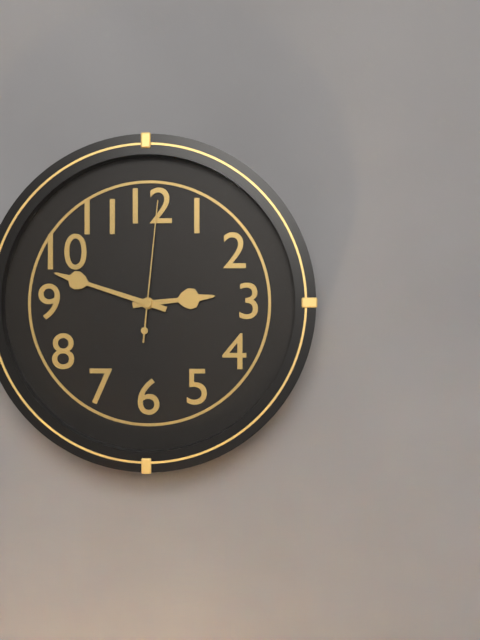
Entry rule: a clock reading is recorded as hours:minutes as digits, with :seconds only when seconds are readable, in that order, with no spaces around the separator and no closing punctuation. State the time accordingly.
2:48:01
